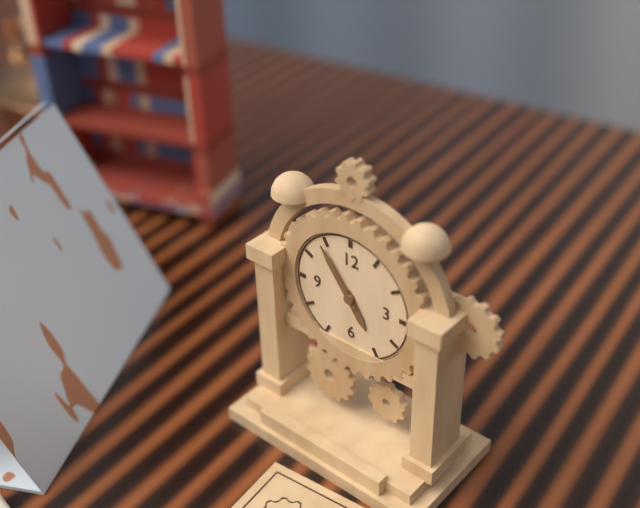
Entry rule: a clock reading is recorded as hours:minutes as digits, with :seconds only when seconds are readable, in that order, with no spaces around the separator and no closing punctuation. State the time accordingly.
4:54
